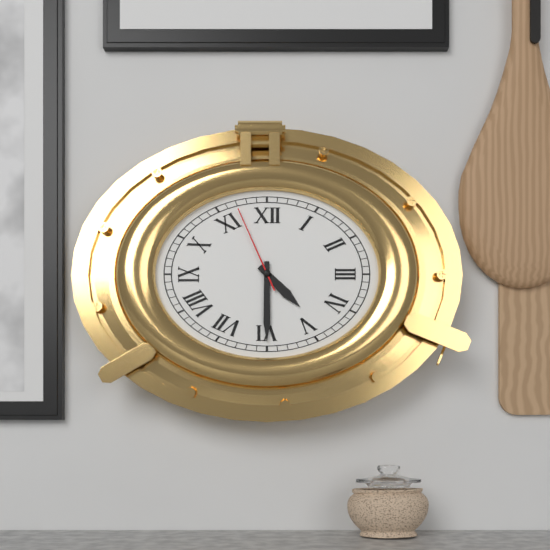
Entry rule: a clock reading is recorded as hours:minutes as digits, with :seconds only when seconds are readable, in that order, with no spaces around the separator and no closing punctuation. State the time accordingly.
4:30:56
